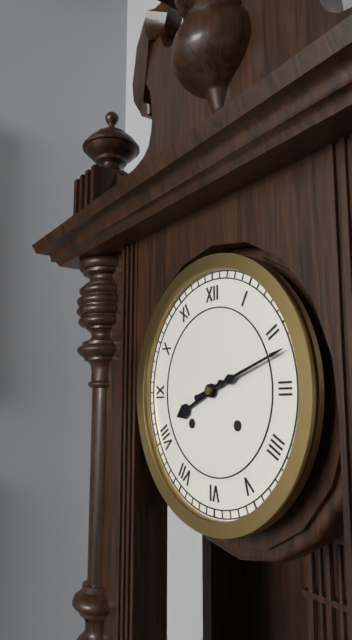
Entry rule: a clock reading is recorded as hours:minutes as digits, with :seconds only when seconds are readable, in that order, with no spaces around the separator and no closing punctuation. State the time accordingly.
8:12
